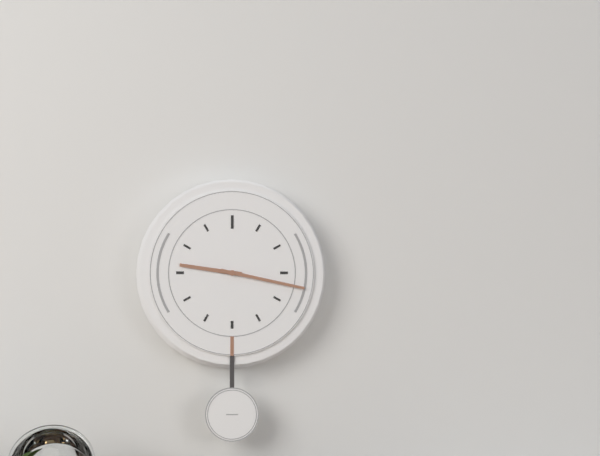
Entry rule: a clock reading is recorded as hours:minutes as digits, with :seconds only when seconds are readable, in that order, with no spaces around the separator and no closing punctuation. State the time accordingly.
9:17
